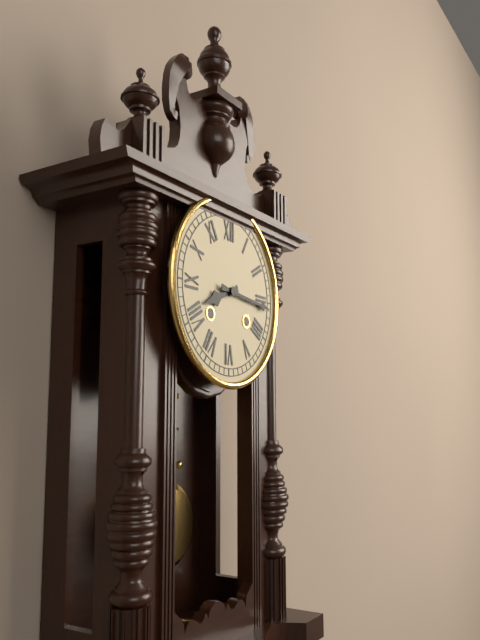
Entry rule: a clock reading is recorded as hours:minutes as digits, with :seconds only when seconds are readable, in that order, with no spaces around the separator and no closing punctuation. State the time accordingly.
8:16
